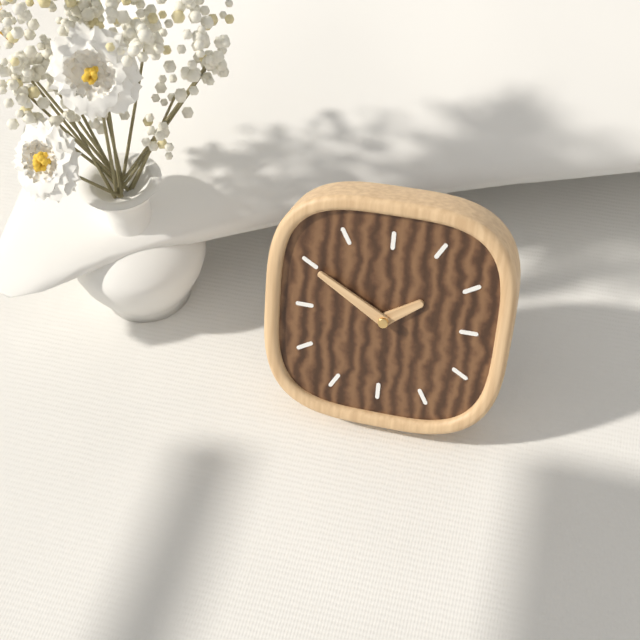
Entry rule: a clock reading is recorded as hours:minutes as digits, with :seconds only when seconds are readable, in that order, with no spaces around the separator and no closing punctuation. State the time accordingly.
1:50
